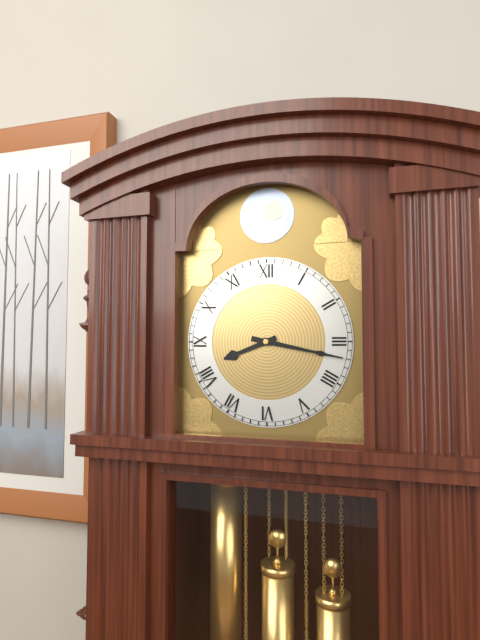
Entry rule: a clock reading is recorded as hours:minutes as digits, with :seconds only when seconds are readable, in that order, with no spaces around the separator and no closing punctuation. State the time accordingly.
8:17
